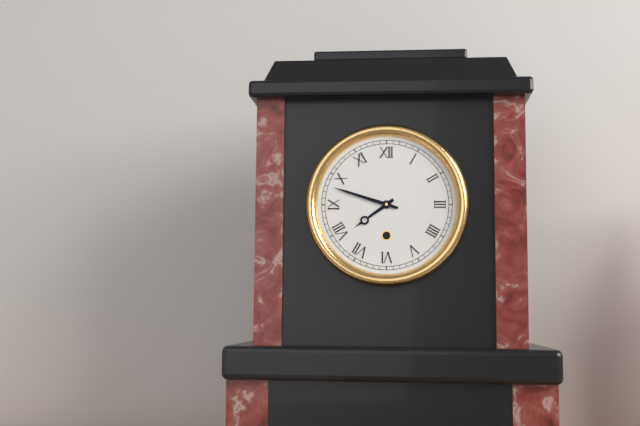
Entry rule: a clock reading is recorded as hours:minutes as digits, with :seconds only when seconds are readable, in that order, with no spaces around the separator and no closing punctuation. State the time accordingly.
7:48
